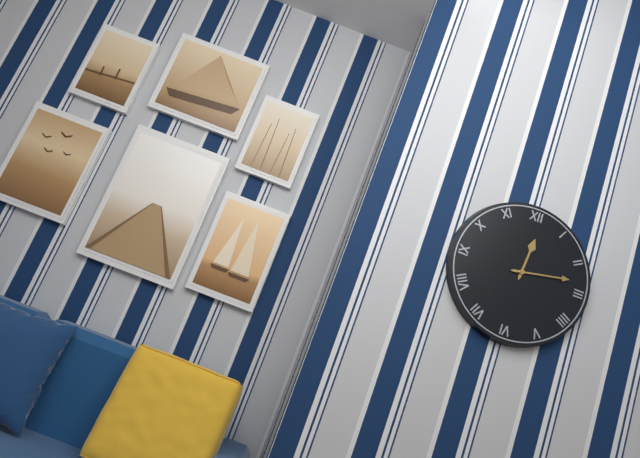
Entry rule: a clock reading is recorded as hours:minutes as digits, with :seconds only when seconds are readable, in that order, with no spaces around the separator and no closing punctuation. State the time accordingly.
12:13
